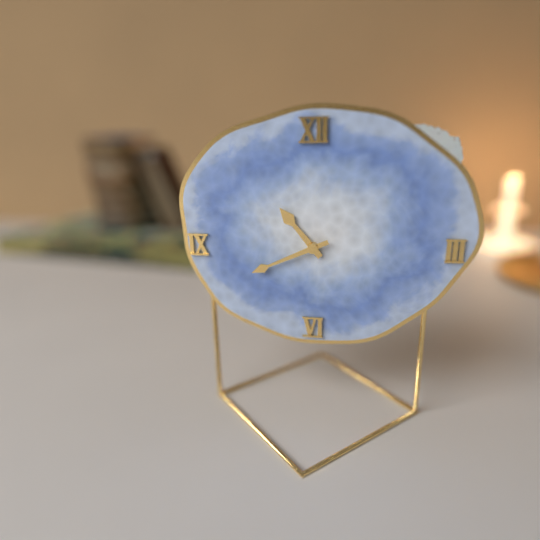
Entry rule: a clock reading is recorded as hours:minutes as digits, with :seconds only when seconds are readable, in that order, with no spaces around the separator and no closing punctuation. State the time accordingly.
10:41
